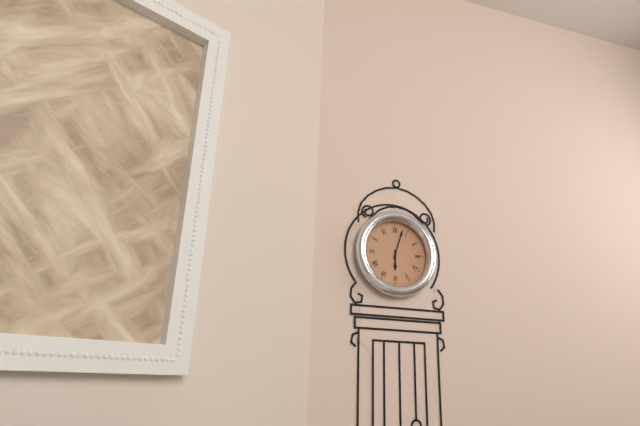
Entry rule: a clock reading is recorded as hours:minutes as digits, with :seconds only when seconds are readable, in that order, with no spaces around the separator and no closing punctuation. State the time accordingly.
6:03
